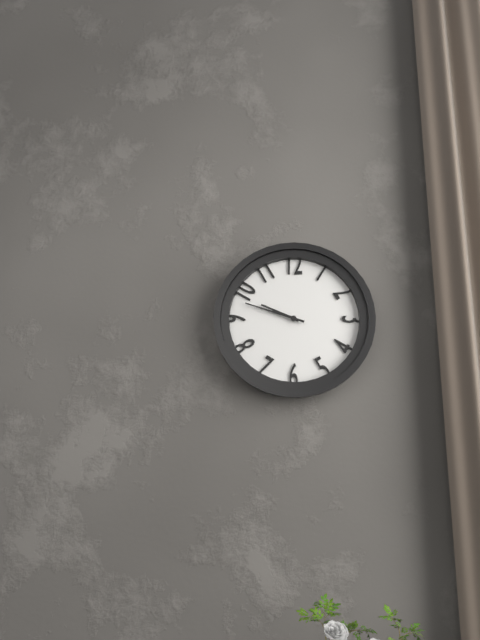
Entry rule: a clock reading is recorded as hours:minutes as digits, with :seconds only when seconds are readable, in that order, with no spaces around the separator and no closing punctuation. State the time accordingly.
9:48
